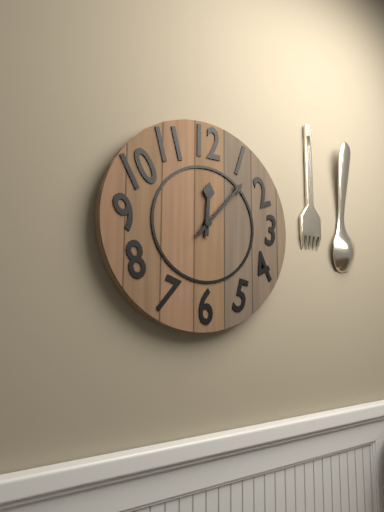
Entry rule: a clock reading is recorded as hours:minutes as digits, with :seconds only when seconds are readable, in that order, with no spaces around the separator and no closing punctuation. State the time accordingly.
12:07
